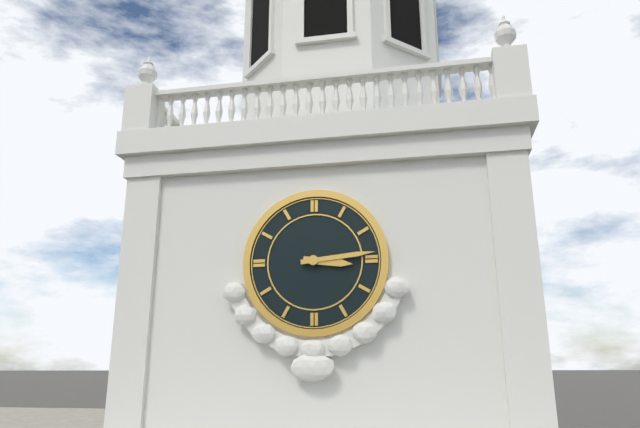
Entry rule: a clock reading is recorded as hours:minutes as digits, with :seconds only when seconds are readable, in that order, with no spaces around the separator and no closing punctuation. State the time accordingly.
3:14
